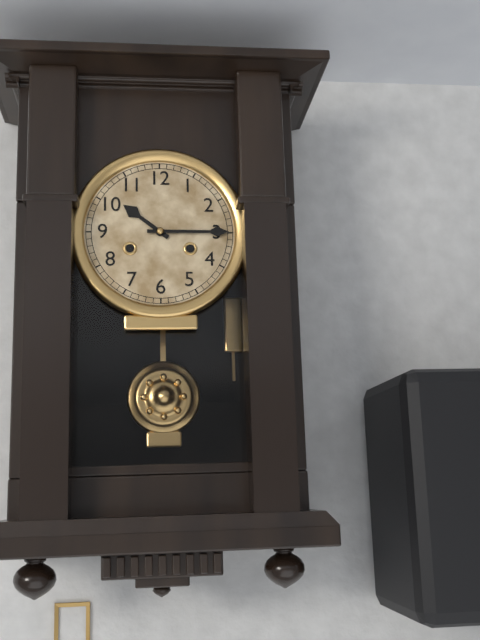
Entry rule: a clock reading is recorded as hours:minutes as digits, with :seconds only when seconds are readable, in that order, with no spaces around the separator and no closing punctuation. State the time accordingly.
10:15
